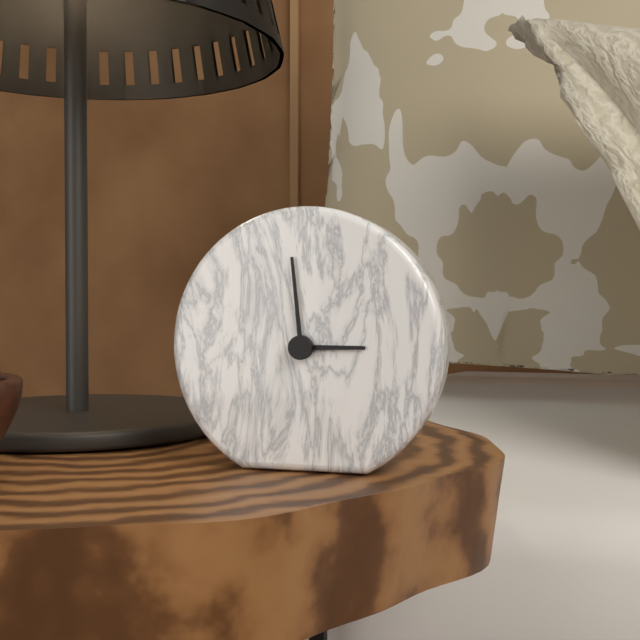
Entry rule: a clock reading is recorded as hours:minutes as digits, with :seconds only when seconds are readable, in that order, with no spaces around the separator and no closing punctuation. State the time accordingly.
2:59
